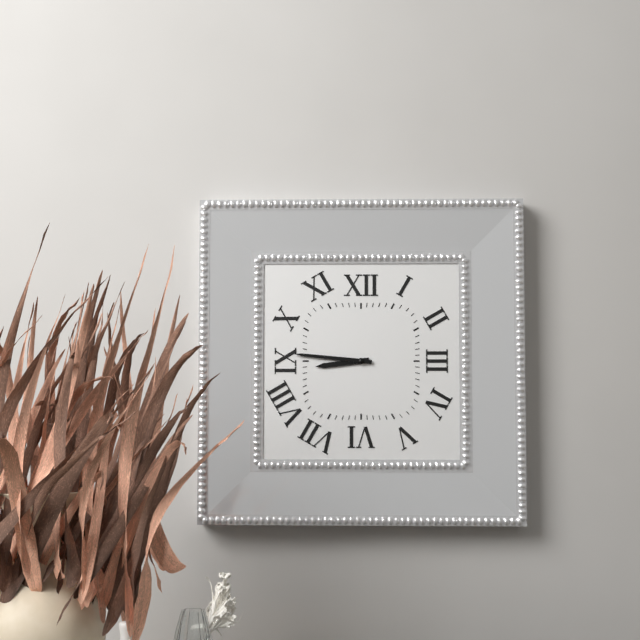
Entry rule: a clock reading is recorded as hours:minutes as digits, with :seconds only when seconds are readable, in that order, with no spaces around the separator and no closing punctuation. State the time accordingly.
8:46
